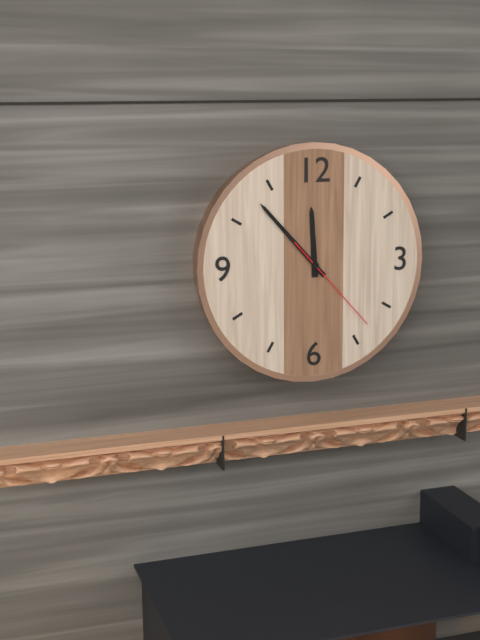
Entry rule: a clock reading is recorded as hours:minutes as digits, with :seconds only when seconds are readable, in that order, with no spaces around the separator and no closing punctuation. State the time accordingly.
11:53:23
